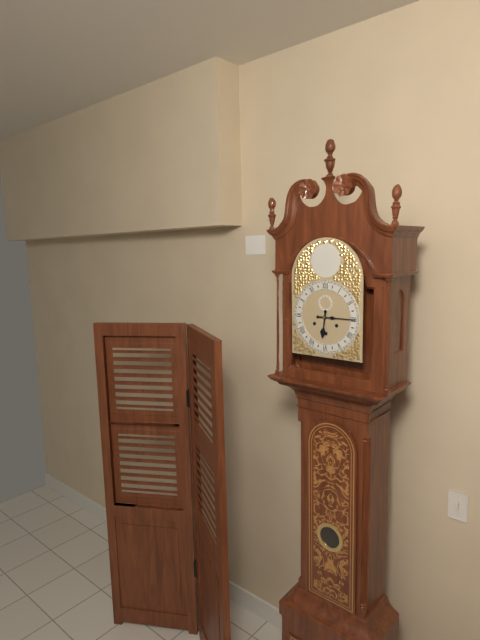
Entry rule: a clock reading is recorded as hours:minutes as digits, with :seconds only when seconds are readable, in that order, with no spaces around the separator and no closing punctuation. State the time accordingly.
6:15
